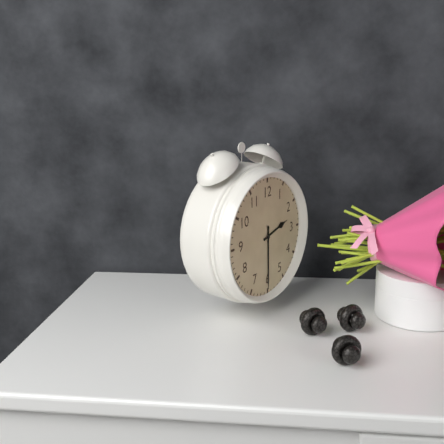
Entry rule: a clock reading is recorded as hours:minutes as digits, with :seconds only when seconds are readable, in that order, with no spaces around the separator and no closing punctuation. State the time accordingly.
2:30
